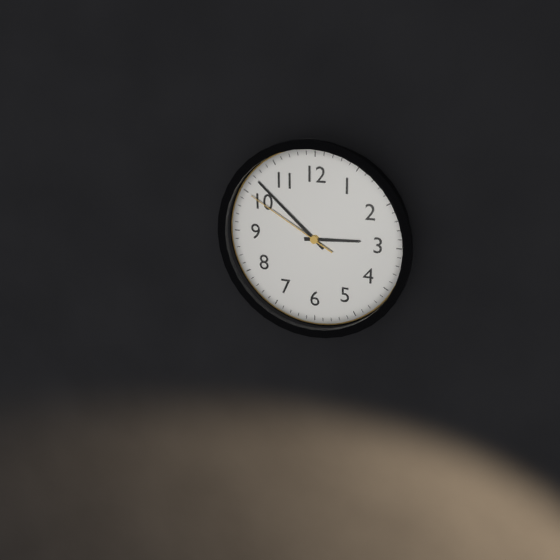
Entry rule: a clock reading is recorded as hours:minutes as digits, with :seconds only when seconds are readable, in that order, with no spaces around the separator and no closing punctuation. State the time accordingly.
2:52:50
